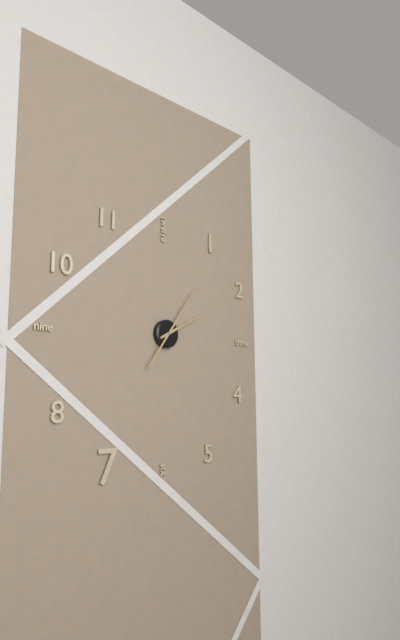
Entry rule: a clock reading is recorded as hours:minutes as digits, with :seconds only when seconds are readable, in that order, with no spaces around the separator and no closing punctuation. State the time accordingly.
2:06
